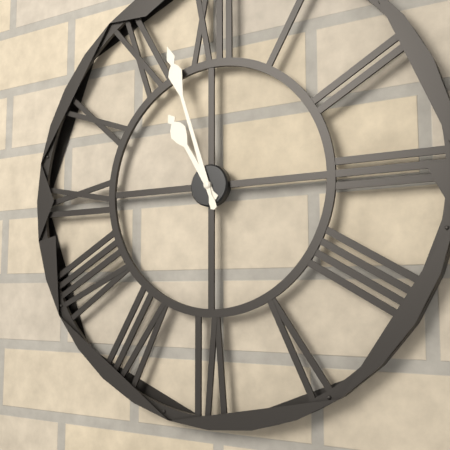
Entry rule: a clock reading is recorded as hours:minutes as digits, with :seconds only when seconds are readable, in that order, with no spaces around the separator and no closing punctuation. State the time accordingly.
10:57
